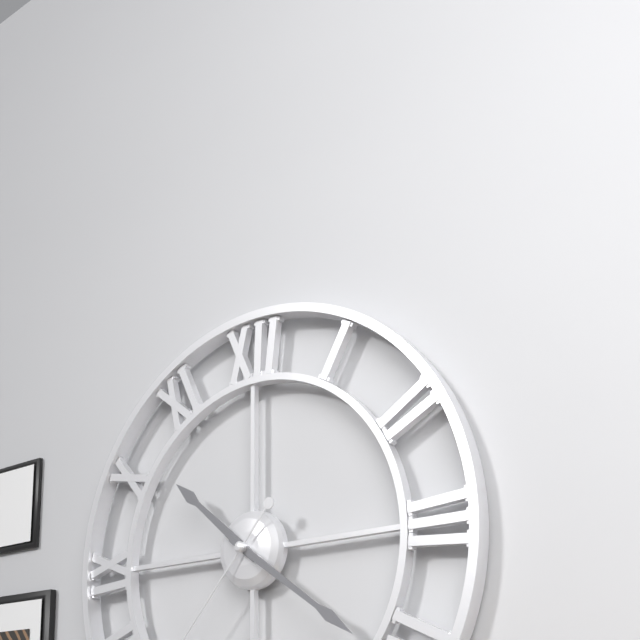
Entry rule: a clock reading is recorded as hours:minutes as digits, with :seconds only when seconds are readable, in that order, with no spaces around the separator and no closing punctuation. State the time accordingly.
10:21
